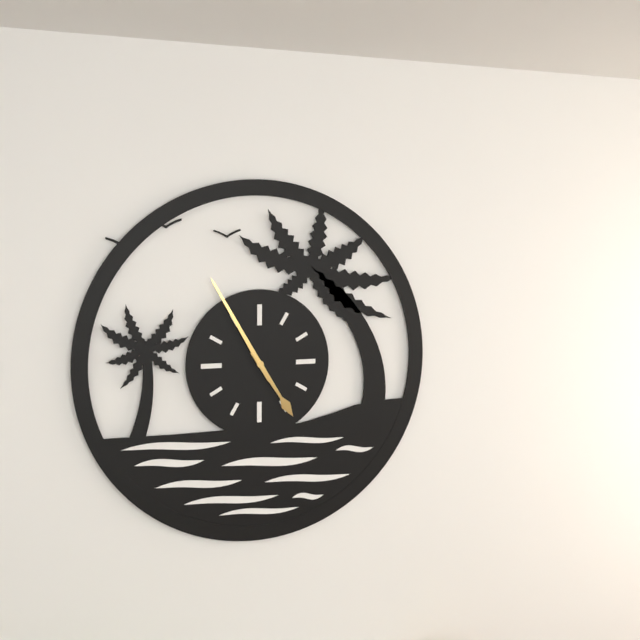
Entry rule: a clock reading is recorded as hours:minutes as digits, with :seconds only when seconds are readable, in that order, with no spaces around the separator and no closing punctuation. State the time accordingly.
4:55
